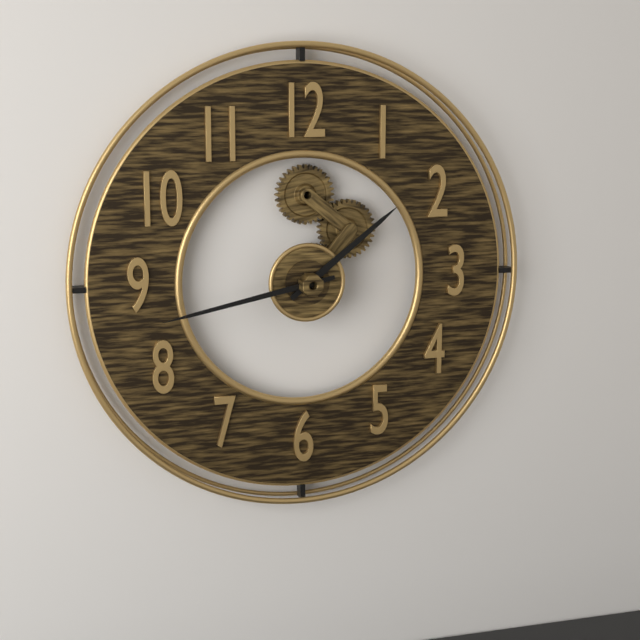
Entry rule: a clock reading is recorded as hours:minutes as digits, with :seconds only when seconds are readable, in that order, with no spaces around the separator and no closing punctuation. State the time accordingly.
1:43
